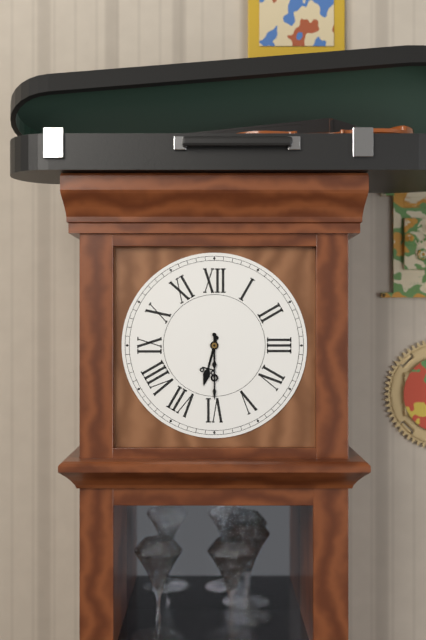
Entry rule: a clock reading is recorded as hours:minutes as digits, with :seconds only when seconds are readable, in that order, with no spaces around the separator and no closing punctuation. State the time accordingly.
6:30
